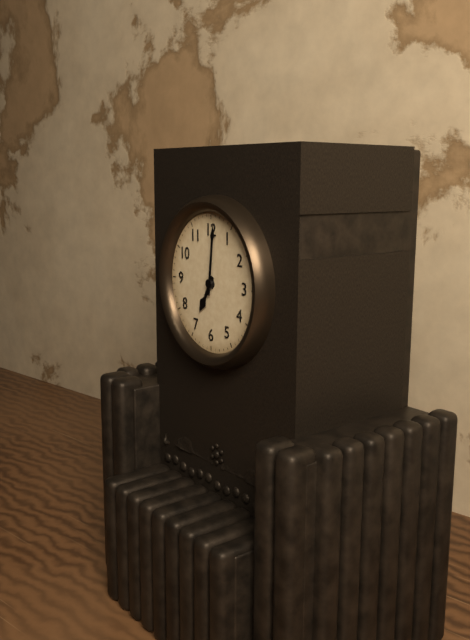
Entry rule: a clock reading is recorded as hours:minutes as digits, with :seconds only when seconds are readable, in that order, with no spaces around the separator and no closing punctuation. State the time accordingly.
7:01
